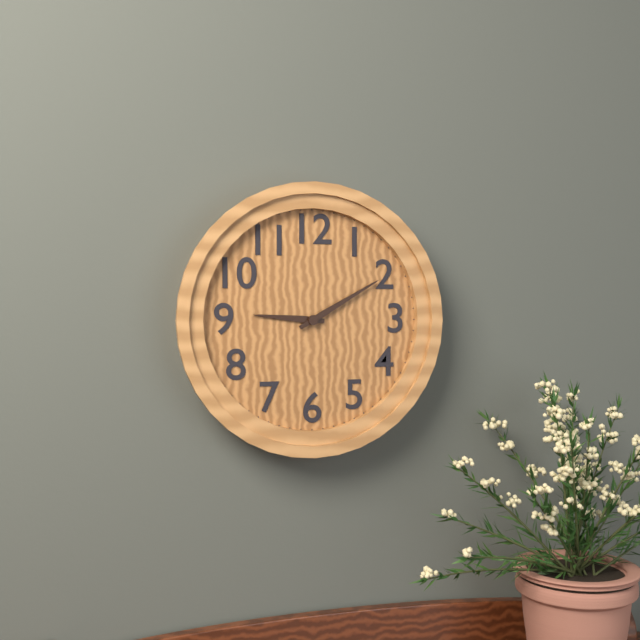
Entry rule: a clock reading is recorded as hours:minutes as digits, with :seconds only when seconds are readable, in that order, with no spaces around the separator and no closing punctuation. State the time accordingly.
9:10
